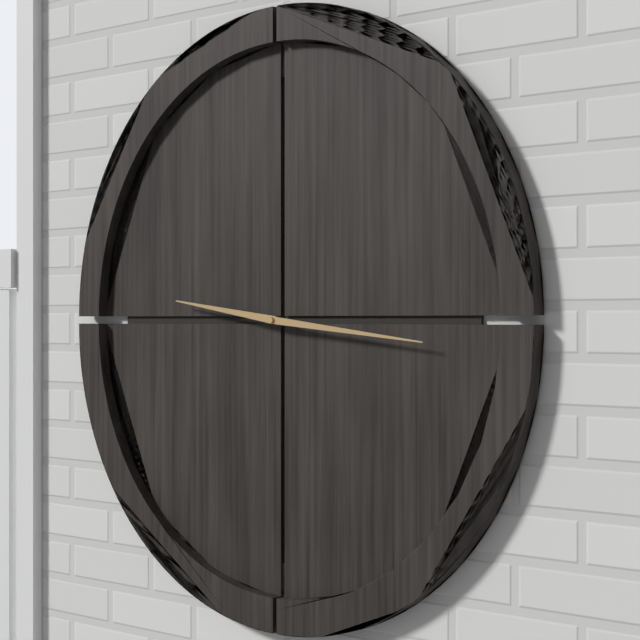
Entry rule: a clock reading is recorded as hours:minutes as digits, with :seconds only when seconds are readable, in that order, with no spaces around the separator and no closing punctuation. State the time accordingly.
9:16
